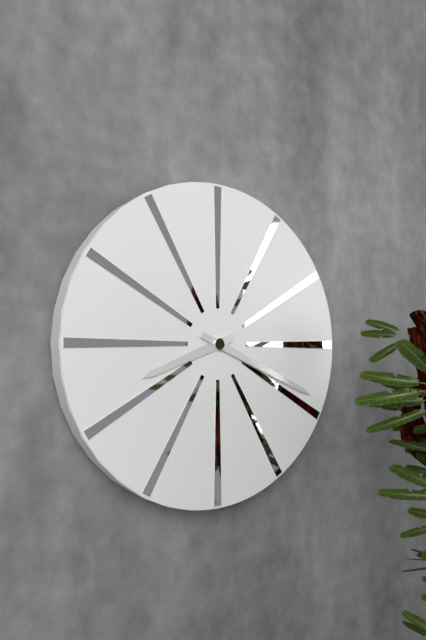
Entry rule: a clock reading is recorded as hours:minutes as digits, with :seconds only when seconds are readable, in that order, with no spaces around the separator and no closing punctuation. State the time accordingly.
8:19
